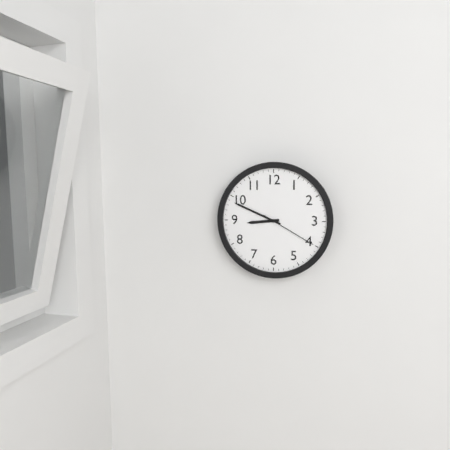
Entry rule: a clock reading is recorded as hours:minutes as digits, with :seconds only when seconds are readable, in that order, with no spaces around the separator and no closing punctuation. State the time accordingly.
8:49:20
